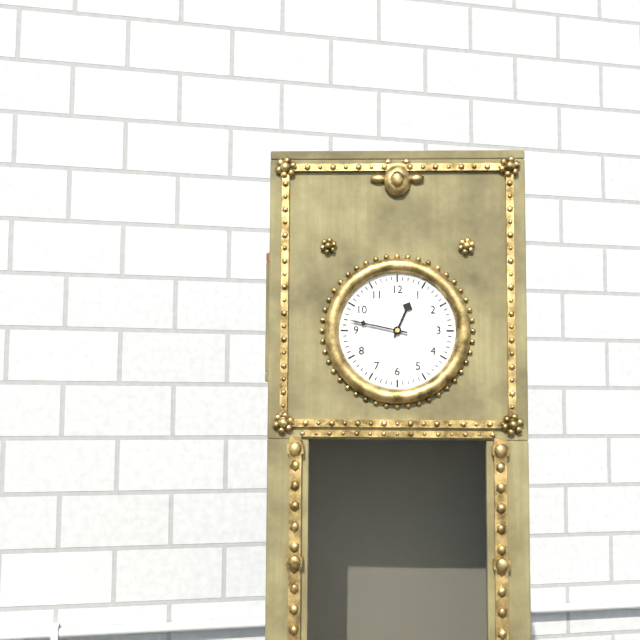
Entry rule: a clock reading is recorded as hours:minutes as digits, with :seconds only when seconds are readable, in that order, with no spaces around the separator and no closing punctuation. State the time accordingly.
12:47
